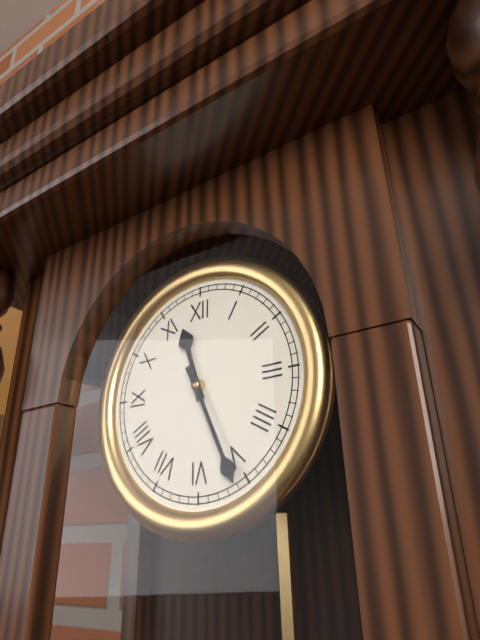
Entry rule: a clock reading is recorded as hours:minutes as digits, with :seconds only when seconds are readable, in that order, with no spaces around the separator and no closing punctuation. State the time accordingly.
11:26
